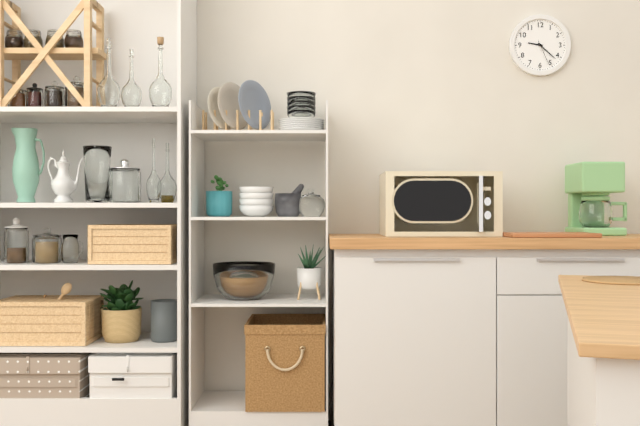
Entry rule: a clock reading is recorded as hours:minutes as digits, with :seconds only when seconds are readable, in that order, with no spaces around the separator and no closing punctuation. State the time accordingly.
9:22
